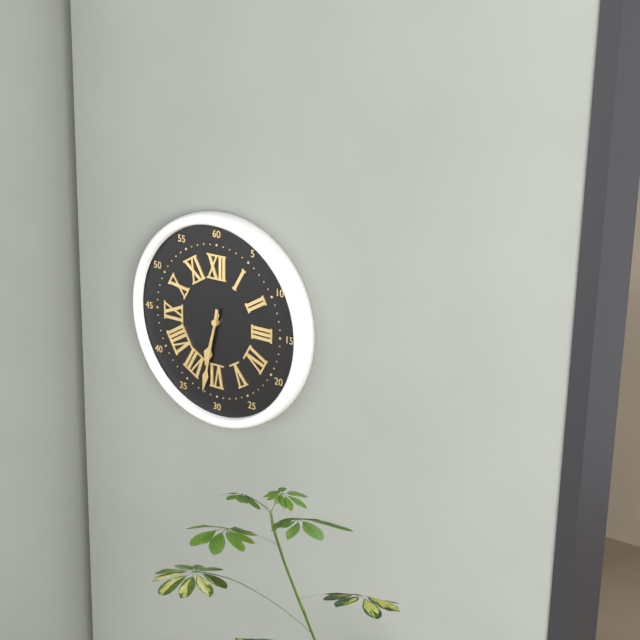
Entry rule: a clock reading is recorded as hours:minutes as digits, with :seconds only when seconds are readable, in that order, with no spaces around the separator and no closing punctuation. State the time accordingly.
6:32
